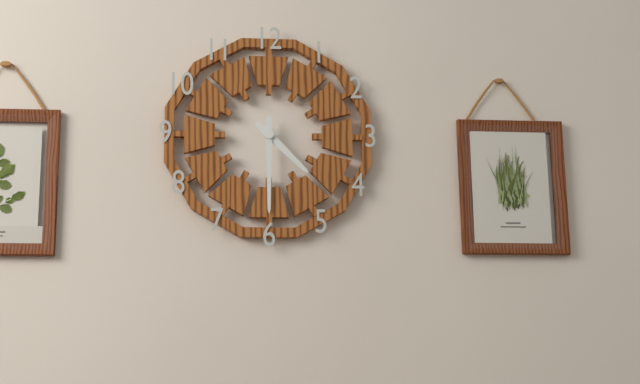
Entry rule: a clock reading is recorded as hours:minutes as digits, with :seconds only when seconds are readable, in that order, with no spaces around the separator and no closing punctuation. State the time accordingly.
4:30
